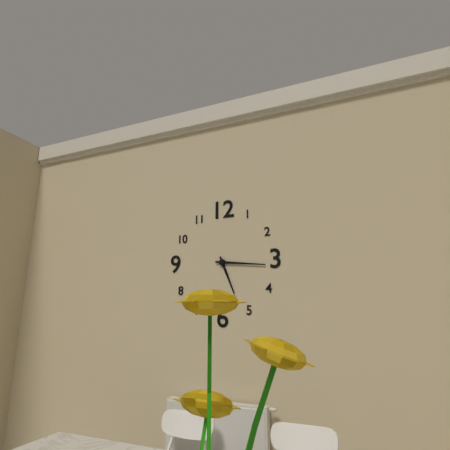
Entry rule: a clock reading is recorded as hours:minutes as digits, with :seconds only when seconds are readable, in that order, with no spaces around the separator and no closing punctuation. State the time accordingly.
5:16
